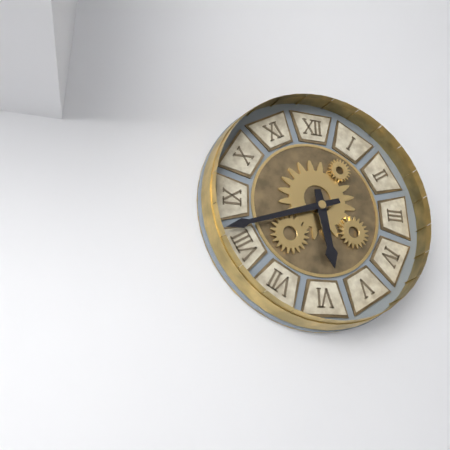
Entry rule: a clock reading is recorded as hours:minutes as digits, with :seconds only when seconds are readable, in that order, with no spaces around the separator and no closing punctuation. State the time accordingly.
5:42
